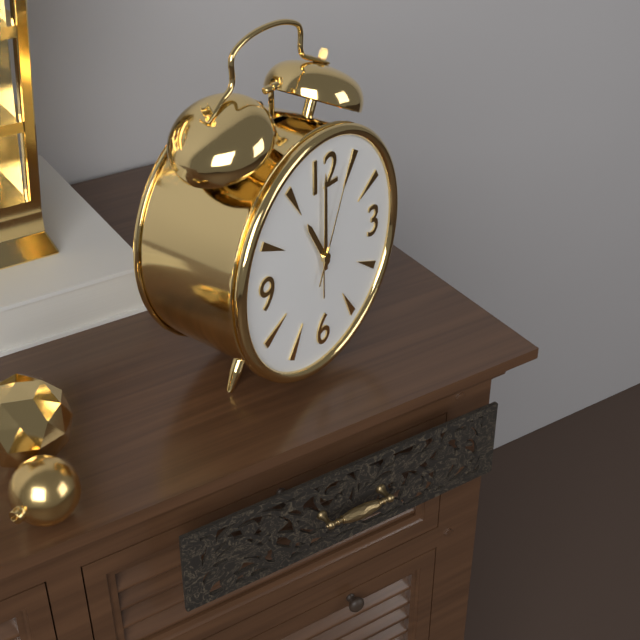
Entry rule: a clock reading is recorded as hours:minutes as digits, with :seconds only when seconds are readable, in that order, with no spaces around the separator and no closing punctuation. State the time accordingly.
11:00:04
